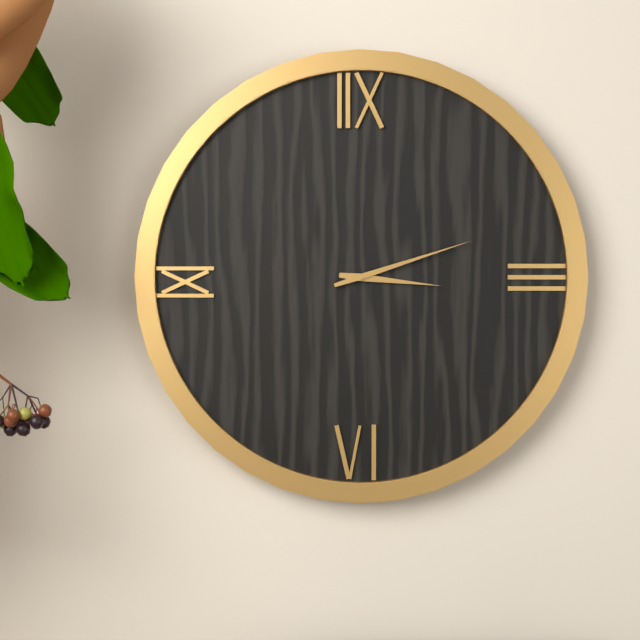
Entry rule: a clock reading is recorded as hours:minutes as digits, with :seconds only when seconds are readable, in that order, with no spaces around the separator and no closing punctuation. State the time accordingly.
3:12
